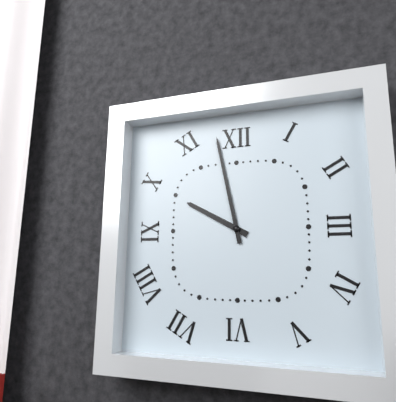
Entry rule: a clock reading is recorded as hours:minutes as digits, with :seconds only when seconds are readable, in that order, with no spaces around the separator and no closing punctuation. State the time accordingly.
9:58
